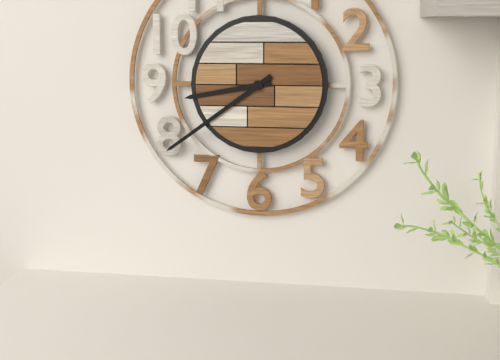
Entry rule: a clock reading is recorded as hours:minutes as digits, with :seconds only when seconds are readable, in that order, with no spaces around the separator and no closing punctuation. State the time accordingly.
8:39
